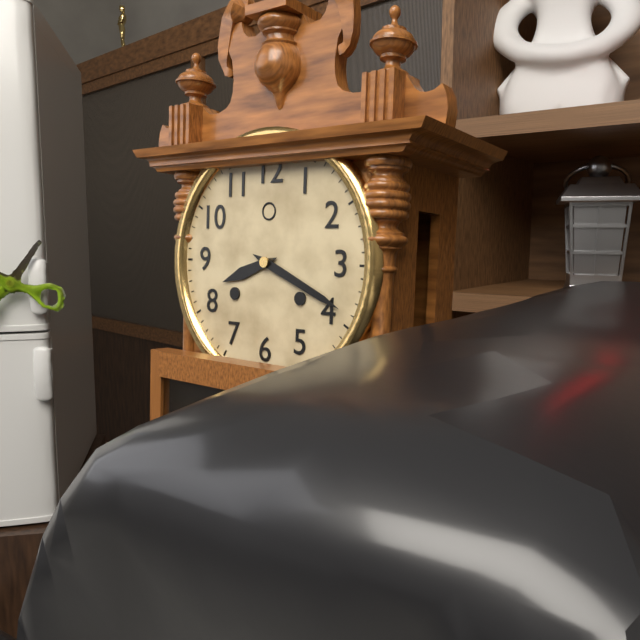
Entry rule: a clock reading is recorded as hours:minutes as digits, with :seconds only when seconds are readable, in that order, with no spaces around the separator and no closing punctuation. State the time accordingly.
8:19
